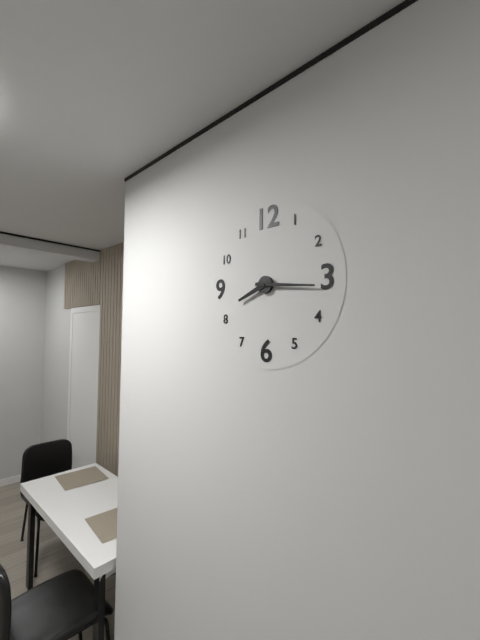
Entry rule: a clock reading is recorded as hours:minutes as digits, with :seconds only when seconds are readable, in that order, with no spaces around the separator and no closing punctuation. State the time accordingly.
8:16
